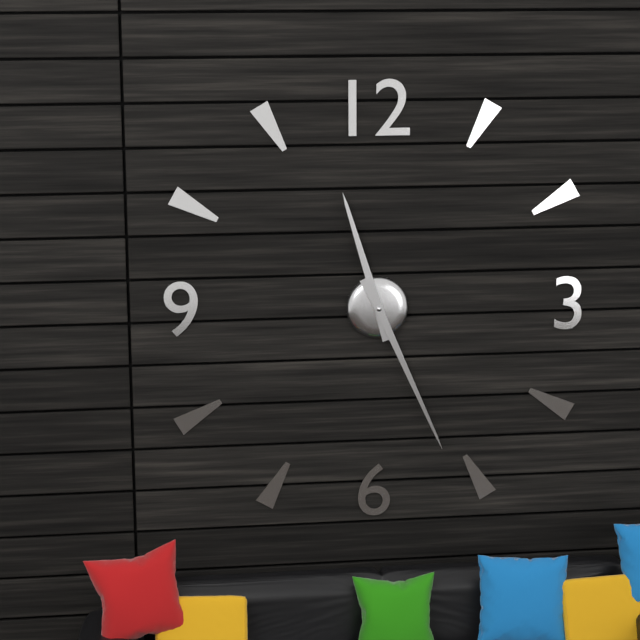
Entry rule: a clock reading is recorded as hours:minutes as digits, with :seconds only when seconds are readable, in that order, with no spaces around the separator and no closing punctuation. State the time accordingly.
11:26
